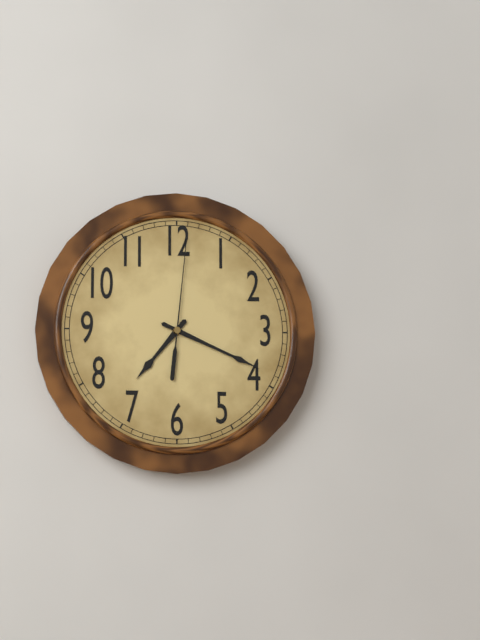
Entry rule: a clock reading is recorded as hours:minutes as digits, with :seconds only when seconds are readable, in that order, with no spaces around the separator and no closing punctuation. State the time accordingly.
7:19:01
